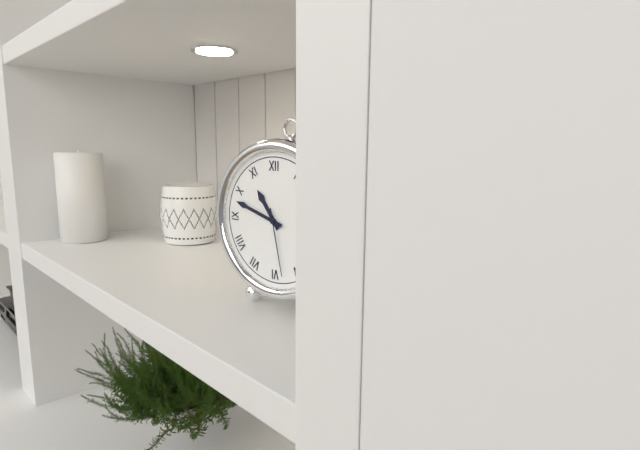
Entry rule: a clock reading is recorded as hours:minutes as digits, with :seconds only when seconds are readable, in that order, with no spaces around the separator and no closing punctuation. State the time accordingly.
10:48:28
